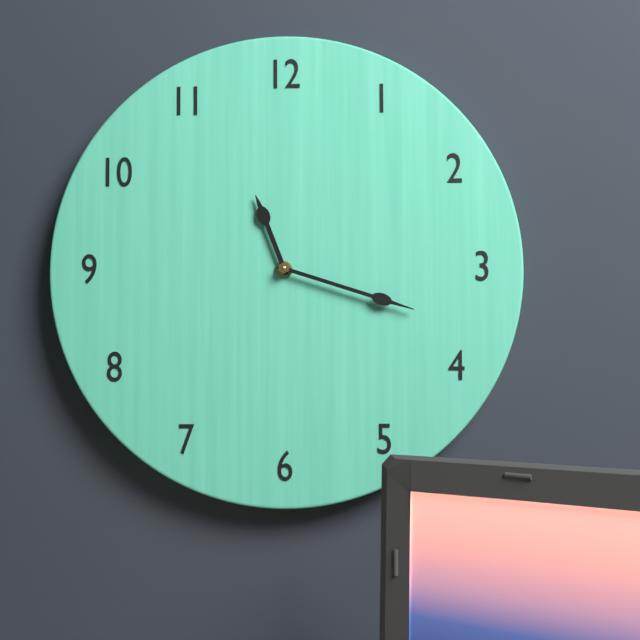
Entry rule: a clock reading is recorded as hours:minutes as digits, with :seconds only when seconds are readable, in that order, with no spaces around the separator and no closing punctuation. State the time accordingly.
11:18
